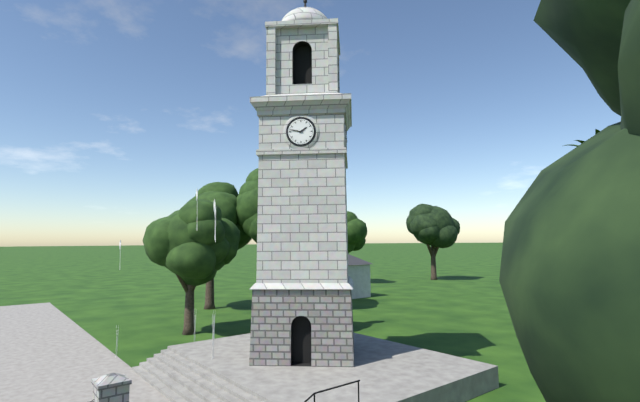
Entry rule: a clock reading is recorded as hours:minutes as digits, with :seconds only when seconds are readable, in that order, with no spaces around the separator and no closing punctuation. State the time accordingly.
1:47
